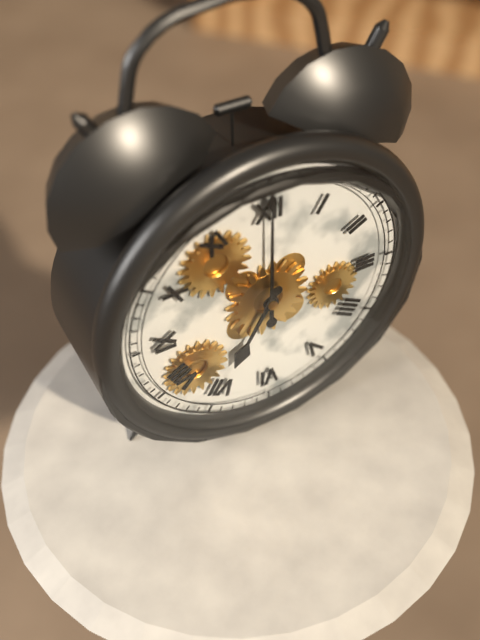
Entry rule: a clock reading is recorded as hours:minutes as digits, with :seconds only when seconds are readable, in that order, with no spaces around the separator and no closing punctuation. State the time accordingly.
7:00
